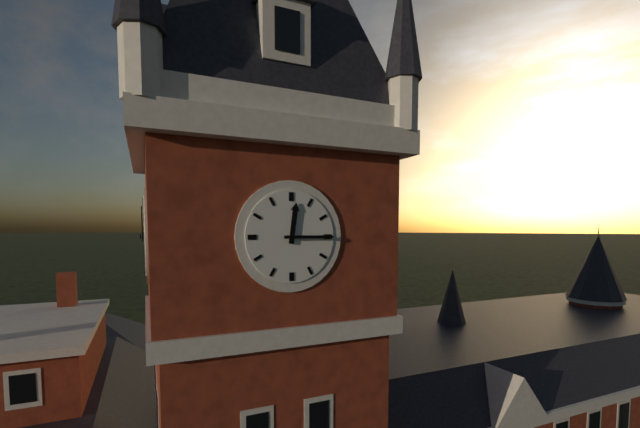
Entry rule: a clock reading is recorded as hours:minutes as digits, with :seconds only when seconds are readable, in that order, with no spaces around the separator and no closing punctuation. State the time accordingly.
12:15
